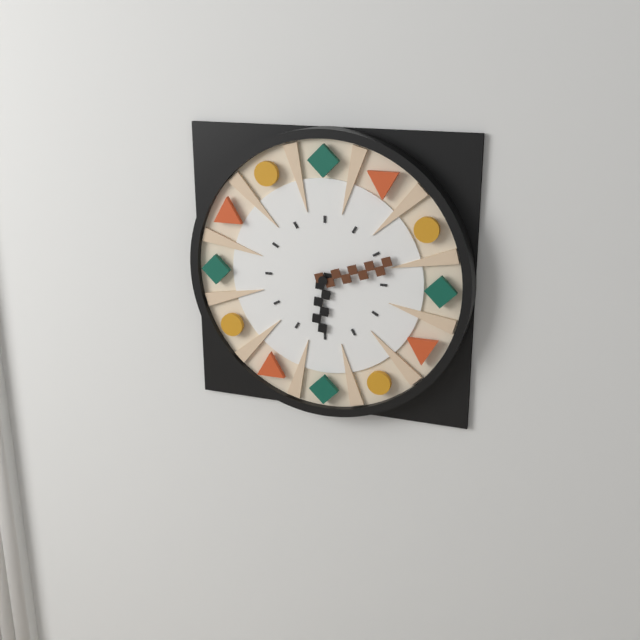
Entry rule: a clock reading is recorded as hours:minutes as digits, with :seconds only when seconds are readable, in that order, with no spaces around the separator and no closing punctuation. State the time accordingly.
6:12
